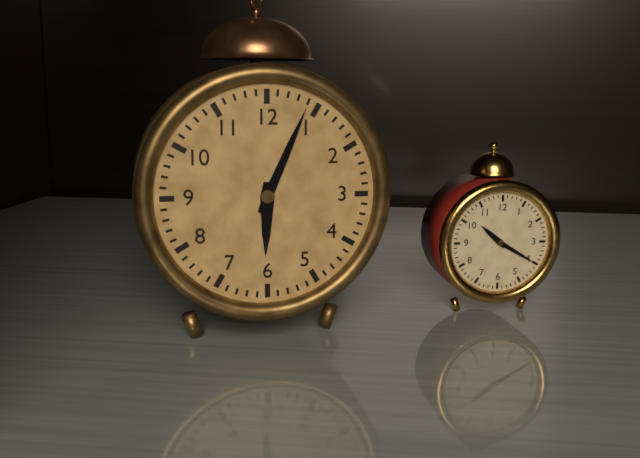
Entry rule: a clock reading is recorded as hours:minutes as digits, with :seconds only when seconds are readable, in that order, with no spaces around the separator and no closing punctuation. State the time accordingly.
6:04
